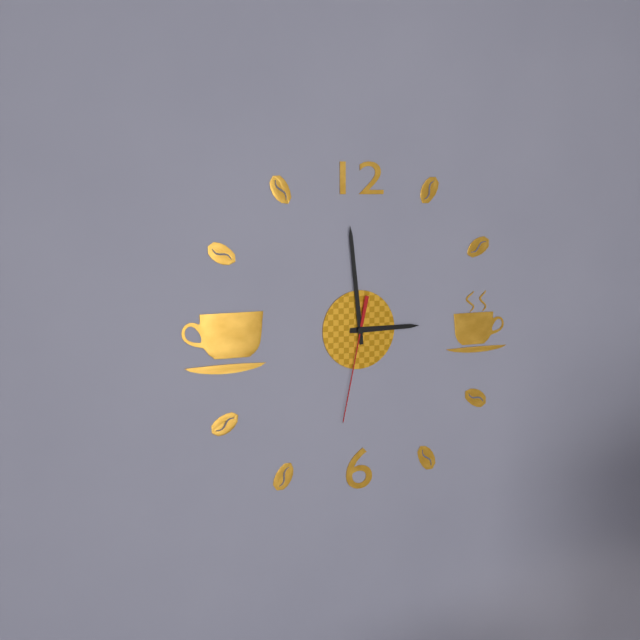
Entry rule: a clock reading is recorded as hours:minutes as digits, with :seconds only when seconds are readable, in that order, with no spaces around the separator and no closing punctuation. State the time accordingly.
2:59:32
